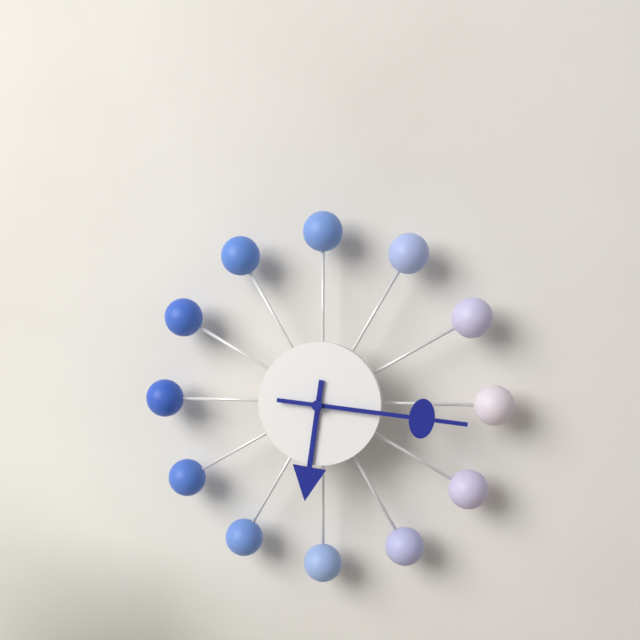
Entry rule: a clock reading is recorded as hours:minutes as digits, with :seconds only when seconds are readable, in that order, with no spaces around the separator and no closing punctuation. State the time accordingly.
6:16
